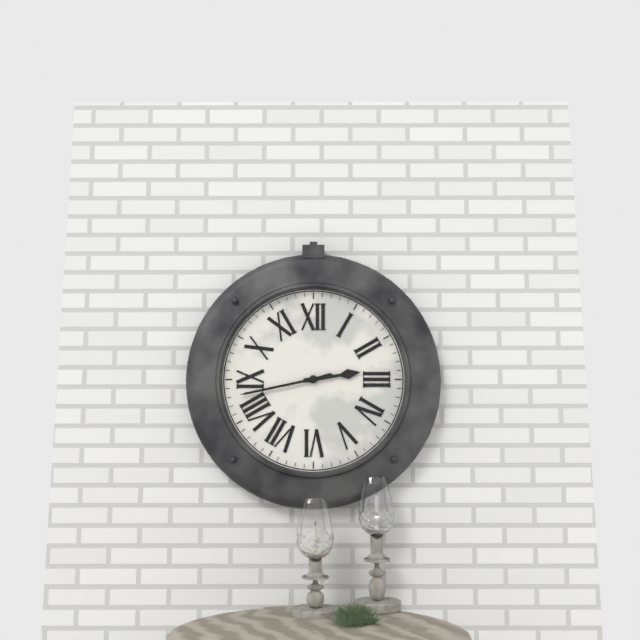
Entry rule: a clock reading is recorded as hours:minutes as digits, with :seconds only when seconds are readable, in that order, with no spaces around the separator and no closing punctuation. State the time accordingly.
2:43
